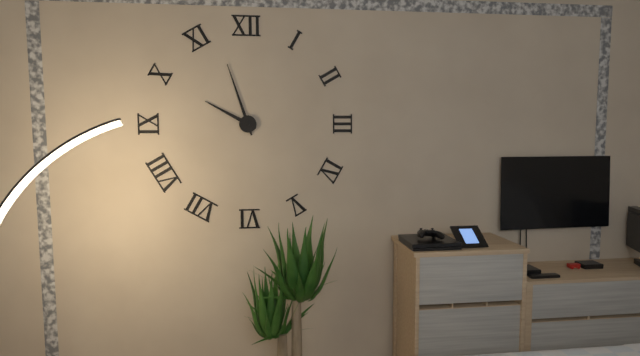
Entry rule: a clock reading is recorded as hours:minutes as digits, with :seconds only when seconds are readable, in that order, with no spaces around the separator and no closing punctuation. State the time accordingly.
9:57
